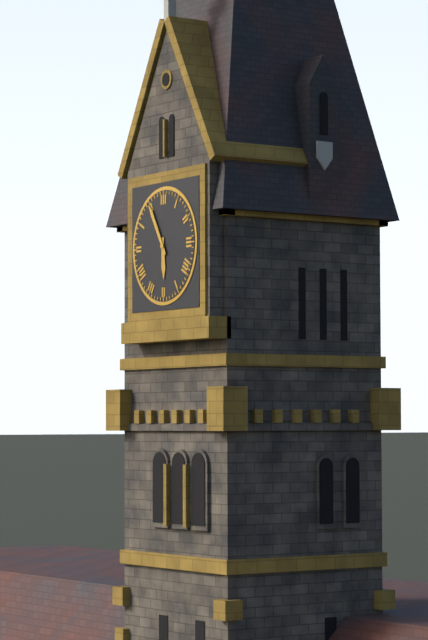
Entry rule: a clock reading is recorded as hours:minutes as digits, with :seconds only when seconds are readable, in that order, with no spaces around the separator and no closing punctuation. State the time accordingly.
5:55
